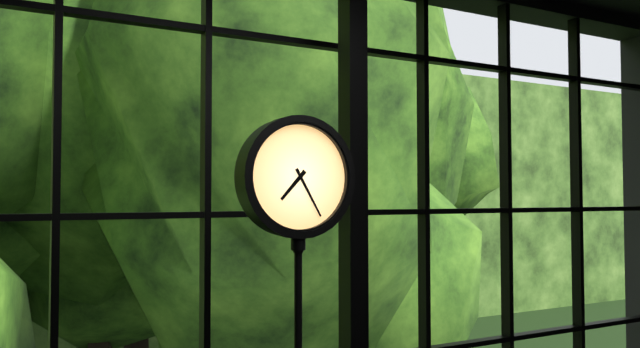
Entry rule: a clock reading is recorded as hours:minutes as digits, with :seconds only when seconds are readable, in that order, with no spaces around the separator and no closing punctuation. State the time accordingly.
7:25
